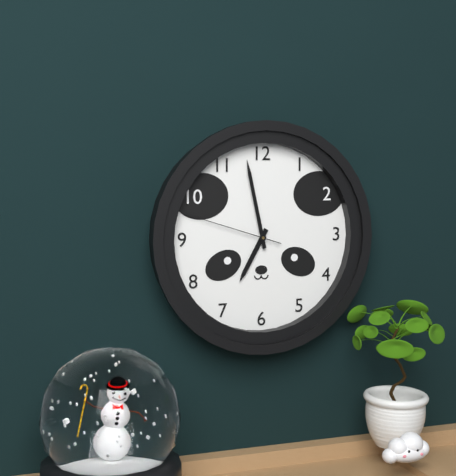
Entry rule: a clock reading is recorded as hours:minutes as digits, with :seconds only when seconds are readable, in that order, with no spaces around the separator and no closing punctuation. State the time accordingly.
6:58:48
